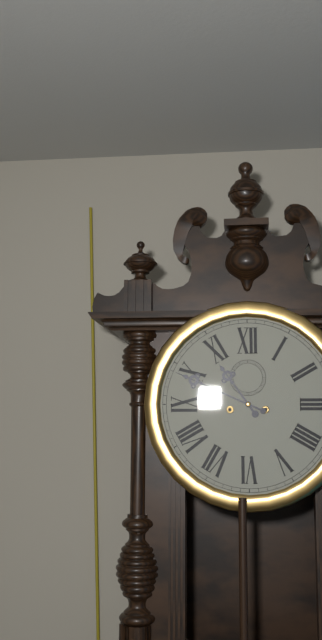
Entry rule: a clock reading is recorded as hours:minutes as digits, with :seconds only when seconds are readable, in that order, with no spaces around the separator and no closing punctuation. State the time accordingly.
10:49
